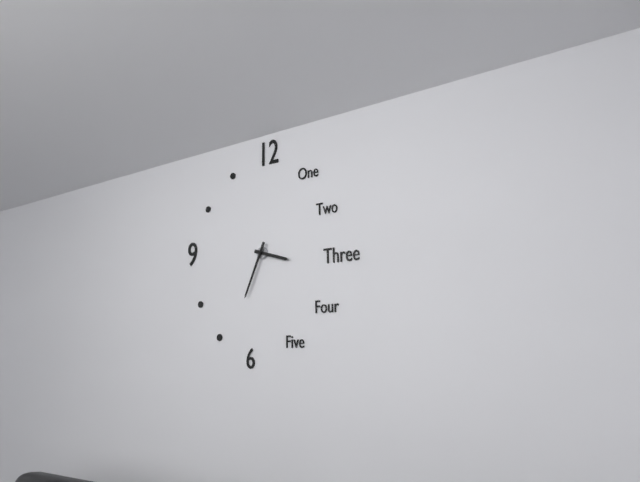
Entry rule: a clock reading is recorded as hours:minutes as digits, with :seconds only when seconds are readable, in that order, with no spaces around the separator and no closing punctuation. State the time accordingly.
3:34
